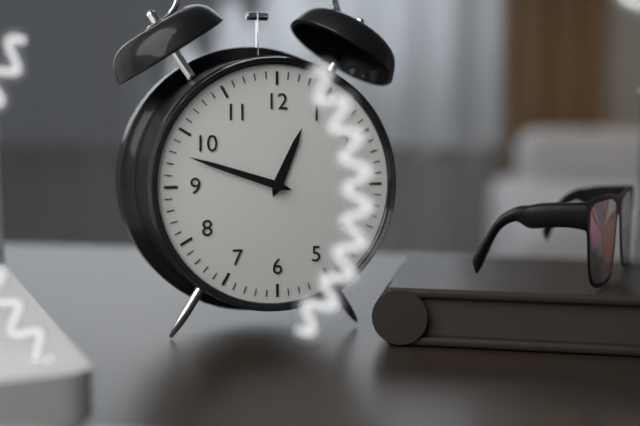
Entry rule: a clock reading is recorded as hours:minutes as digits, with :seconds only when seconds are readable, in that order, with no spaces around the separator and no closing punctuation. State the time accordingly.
12:48
